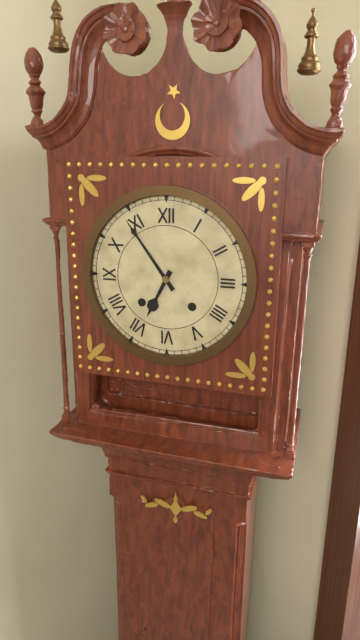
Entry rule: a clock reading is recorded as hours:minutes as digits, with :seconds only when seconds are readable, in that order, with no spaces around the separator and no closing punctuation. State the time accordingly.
6:54
